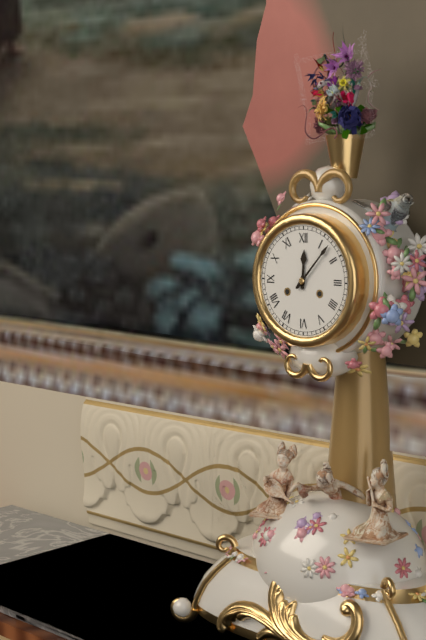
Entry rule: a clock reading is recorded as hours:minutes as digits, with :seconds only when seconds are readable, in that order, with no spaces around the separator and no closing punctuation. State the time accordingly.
12:07
